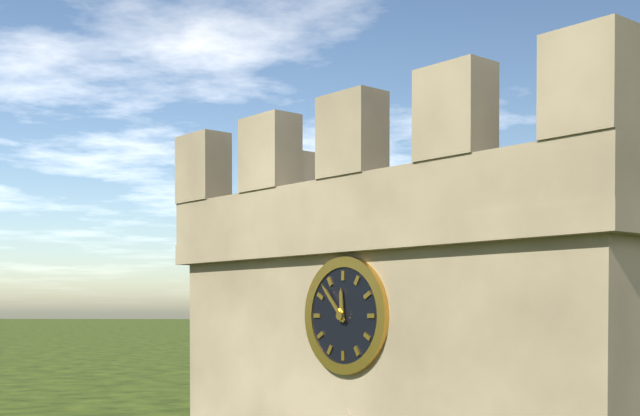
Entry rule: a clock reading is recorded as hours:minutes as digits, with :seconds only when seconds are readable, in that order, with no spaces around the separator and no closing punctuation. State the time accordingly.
11:53
